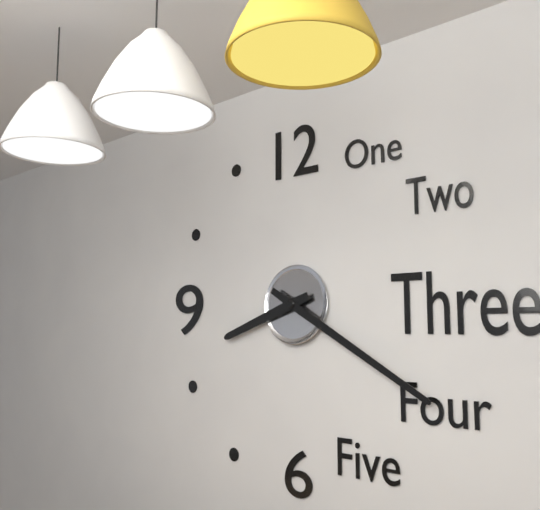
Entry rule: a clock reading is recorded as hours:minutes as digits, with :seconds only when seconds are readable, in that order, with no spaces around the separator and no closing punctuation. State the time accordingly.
8:20
